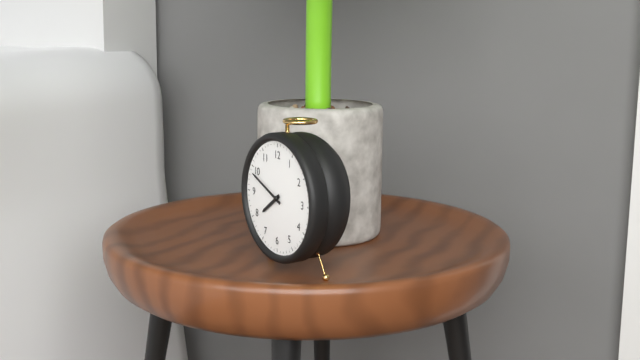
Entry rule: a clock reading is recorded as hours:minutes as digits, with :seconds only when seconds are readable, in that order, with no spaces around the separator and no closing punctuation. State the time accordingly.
7:49
